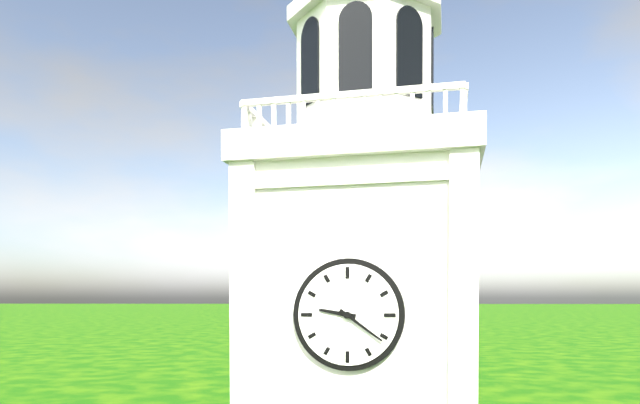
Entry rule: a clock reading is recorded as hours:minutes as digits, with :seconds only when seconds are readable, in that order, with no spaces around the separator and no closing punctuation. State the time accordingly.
9:21
